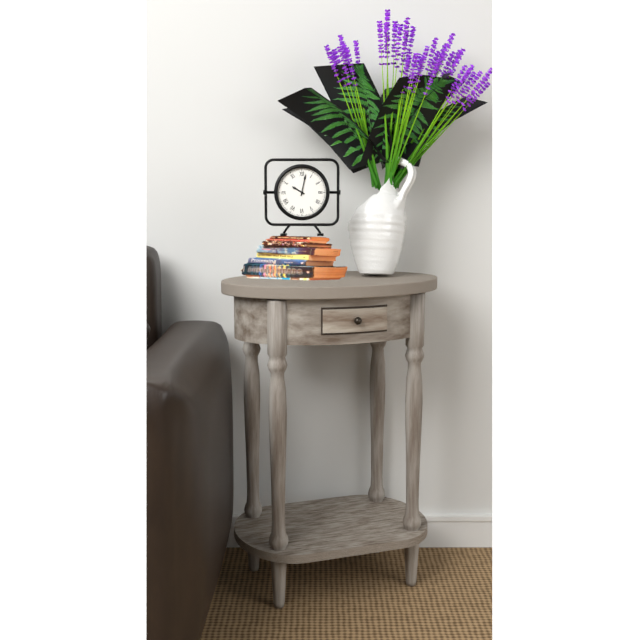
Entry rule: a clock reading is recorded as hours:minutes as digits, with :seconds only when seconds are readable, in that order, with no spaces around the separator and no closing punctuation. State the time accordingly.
10:02
